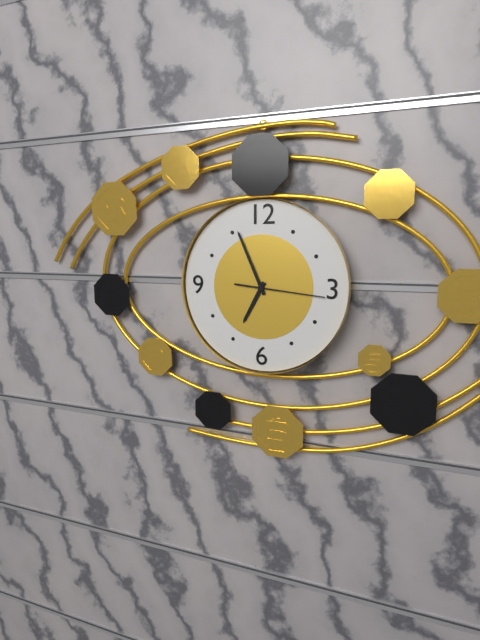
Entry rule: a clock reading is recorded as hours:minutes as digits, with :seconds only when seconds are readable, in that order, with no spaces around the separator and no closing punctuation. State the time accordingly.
6:56:16
